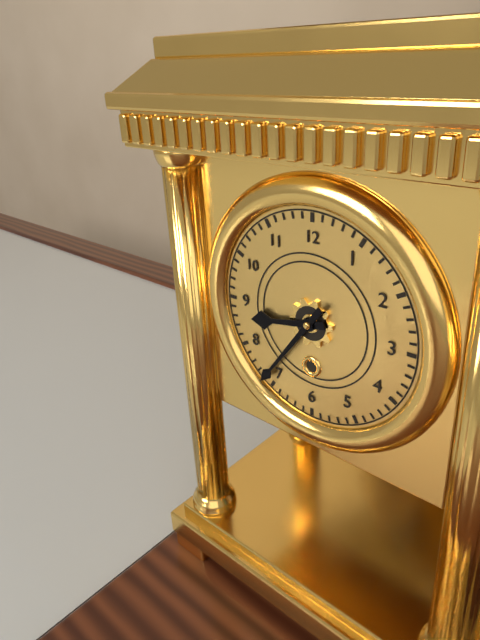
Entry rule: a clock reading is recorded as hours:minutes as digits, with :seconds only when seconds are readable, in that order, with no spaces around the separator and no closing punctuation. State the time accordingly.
8:36
